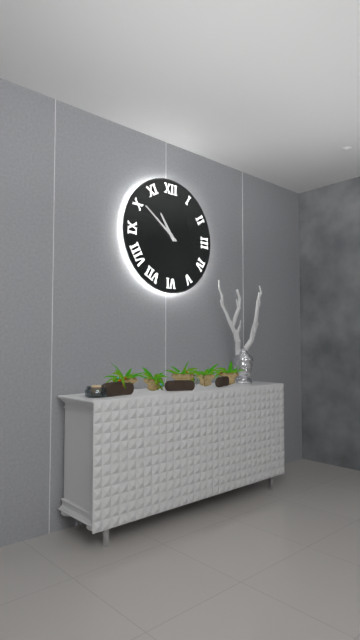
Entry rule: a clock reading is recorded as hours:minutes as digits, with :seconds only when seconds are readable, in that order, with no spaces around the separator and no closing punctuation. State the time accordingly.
10:51
